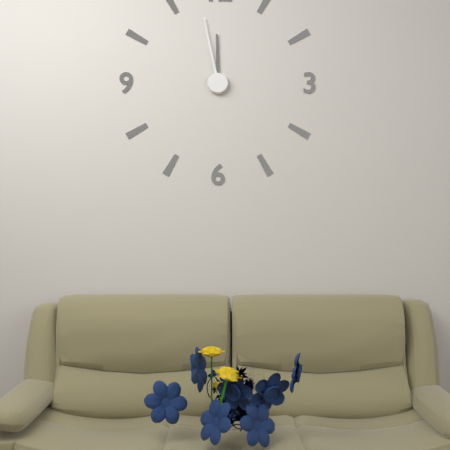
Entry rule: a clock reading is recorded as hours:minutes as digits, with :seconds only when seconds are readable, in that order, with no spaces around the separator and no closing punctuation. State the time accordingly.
11:58
